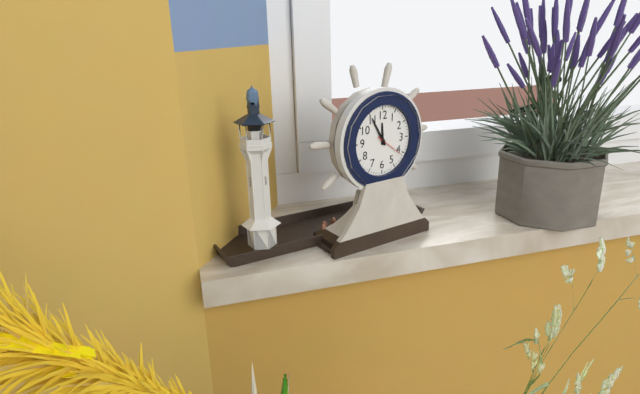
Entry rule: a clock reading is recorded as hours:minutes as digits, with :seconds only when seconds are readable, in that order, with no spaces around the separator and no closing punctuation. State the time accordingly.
11:55
